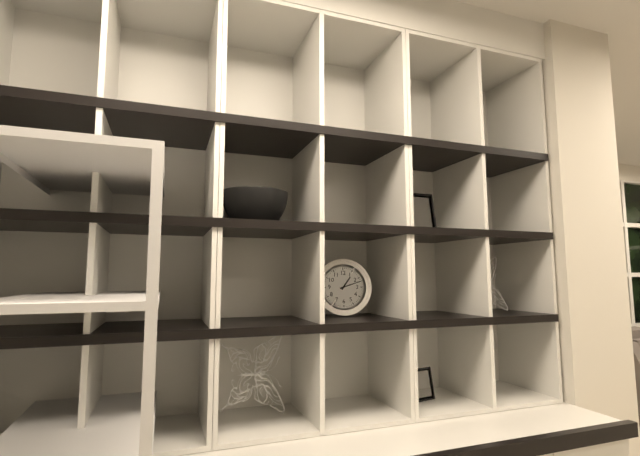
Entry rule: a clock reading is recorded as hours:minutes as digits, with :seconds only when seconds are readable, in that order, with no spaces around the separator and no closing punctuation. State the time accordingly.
1:12
